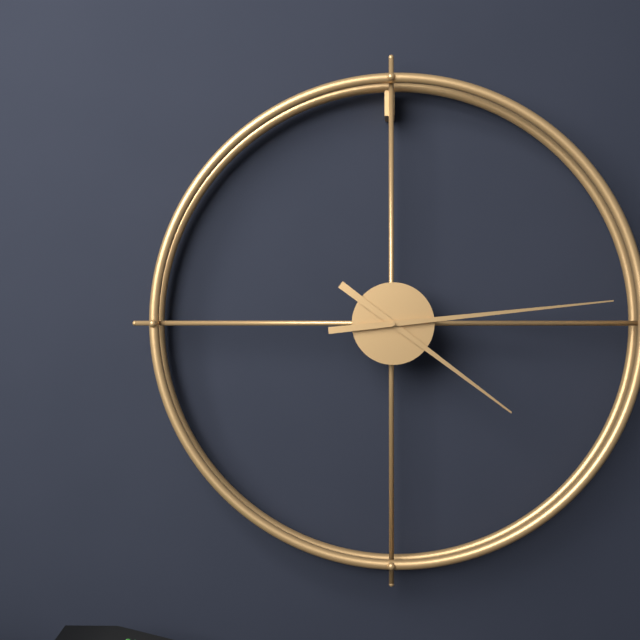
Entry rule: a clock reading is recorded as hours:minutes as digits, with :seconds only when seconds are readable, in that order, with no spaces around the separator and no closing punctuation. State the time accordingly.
4:14
